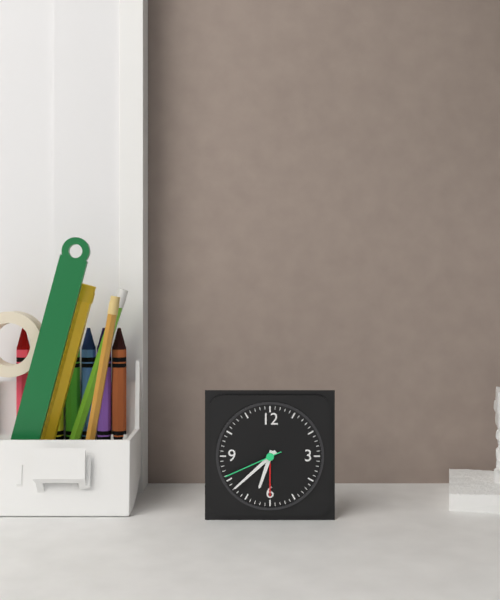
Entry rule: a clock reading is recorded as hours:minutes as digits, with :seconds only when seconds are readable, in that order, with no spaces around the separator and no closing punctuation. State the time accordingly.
6:38:41
